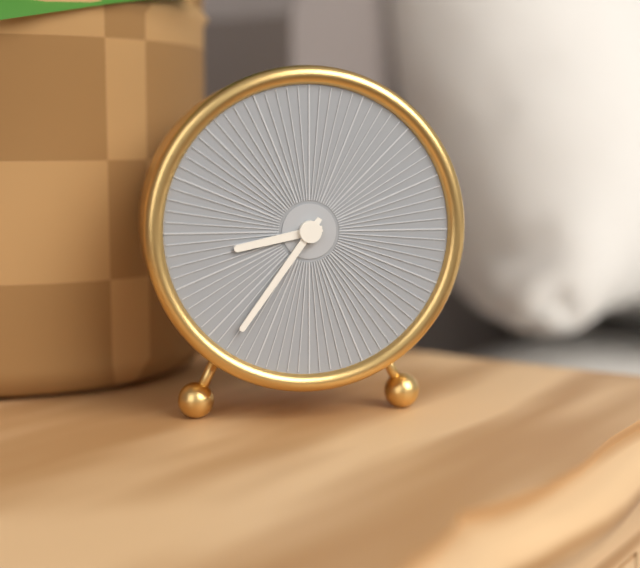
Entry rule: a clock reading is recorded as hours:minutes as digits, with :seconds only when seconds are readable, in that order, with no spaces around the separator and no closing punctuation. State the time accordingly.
8:36
